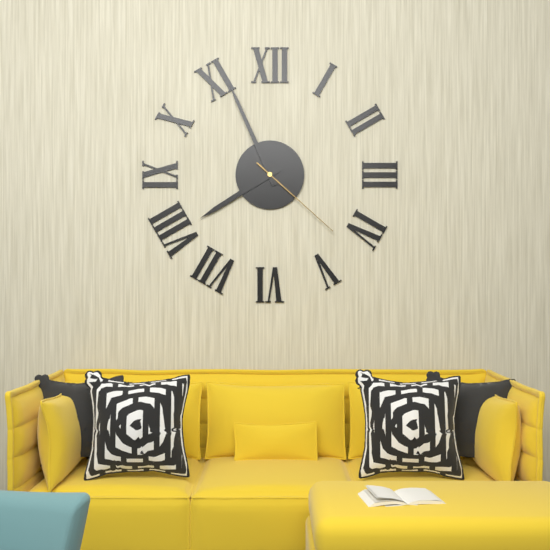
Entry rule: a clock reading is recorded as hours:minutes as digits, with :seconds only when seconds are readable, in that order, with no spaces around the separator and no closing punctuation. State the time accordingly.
7:56:22
